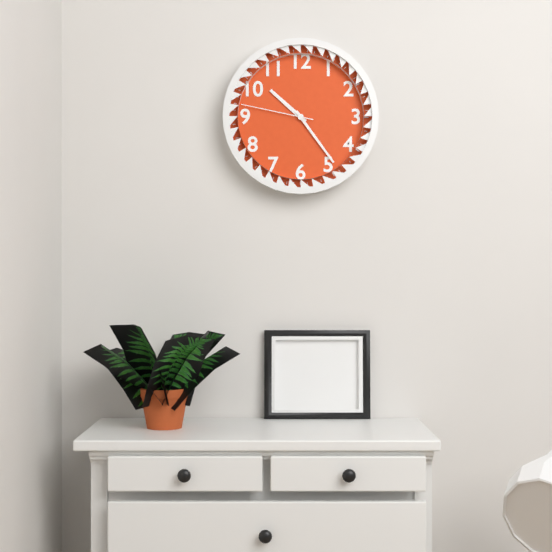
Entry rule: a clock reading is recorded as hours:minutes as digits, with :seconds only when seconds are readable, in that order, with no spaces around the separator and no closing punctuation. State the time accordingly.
10:24:47
